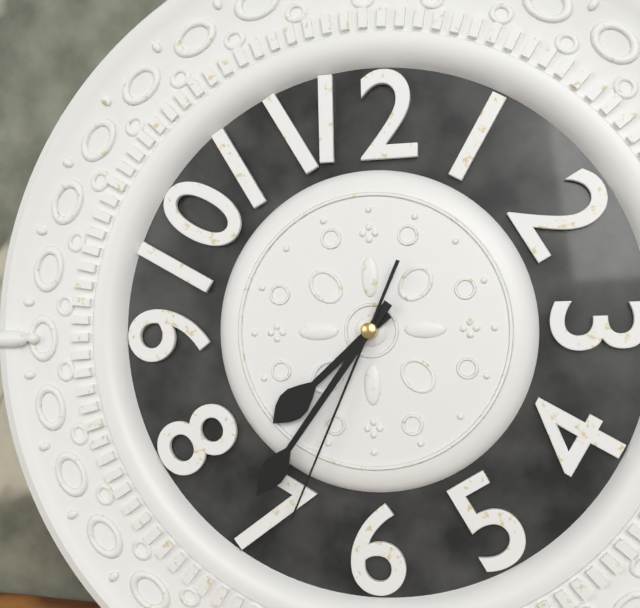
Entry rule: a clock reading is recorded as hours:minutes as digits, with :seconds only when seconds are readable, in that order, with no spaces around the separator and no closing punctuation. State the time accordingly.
7:36:34
